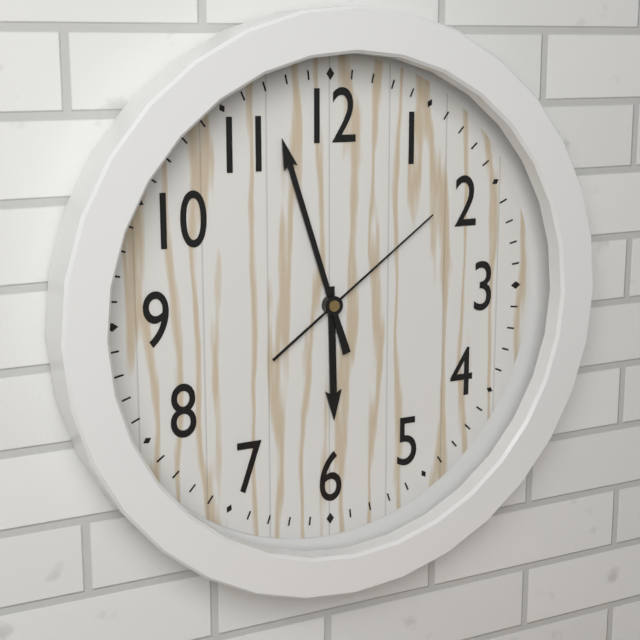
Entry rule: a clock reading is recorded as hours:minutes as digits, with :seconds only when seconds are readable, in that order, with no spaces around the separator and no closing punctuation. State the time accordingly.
5:57:09
